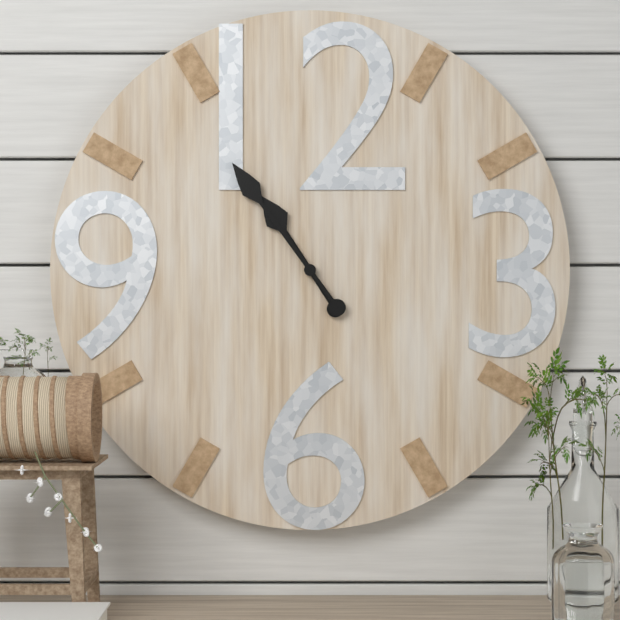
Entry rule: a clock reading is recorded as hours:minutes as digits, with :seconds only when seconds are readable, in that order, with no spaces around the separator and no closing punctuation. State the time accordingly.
10:54
